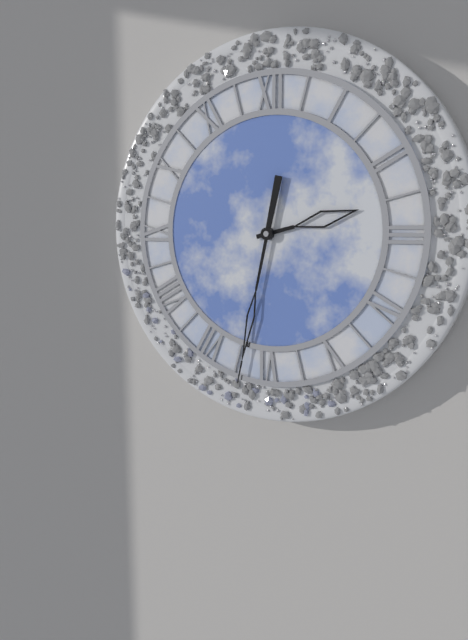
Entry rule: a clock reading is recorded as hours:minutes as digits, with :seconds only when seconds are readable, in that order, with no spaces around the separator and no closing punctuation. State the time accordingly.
2:32
